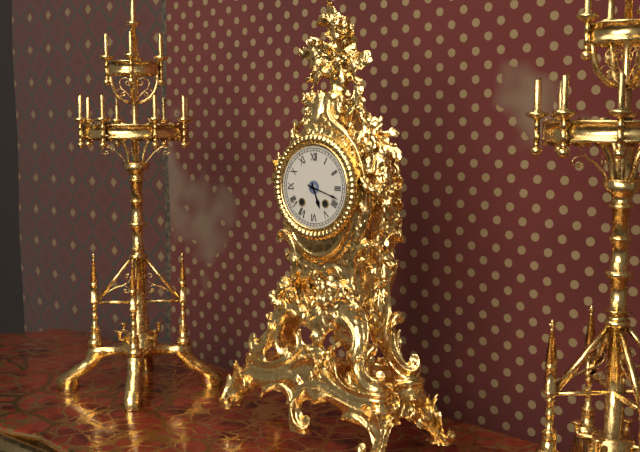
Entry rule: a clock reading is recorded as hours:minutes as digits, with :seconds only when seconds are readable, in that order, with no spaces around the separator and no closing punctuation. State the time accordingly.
5:18
